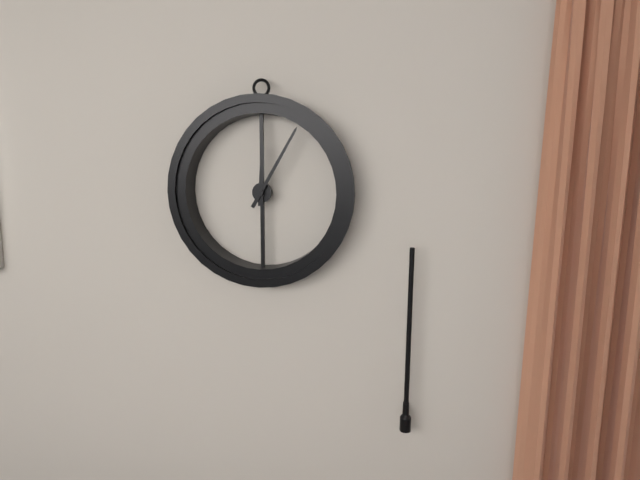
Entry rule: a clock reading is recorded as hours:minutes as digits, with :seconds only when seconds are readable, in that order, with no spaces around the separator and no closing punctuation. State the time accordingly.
12:05
